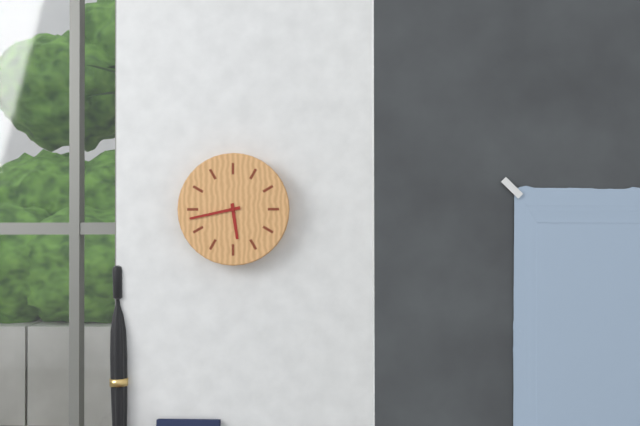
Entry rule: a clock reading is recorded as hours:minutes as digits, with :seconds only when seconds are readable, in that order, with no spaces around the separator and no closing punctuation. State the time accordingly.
5:43
